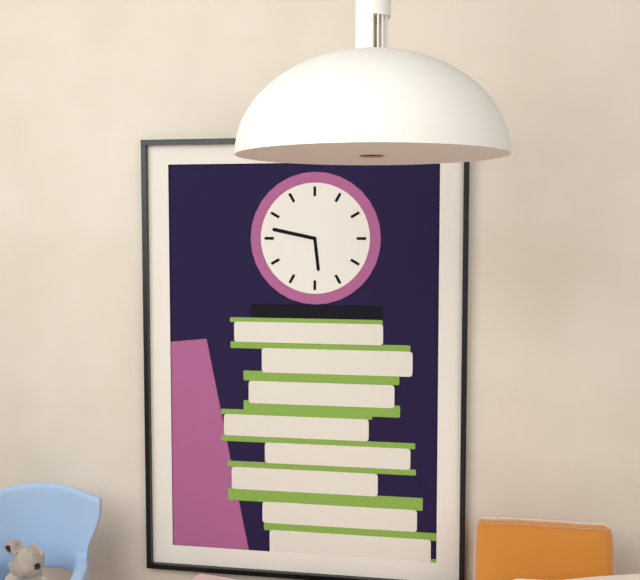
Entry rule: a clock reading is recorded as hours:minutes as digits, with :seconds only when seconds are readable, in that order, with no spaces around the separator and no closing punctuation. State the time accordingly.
5:47
